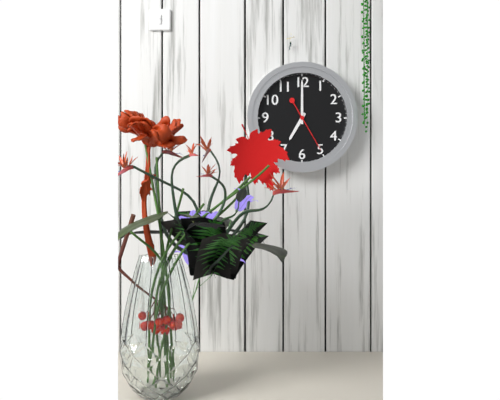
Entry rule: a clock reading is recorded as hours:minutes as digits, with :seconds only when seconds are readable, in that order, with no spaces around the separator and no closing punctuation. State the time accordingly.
7:00
